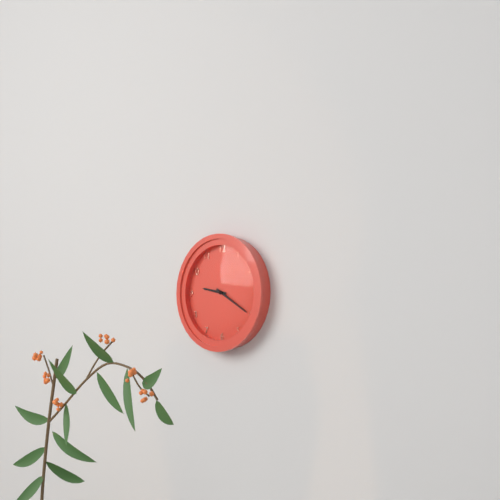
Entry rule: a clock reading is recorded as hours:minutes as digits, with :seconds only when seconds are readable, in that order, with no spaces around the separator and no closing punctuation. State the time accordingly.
9:20
